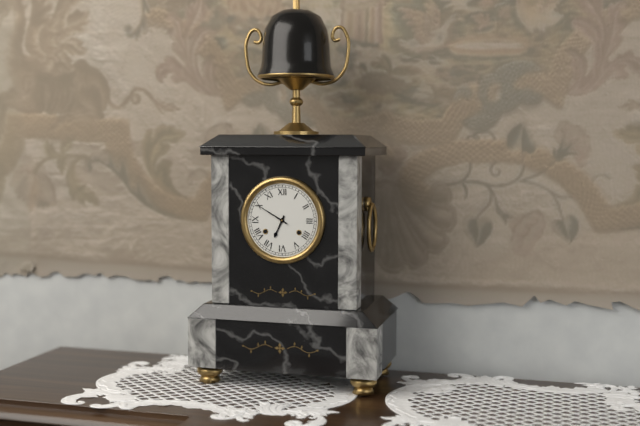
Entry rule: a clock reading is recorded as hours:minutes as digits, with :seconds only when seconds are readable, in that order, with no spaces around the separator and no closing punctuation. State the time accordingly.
6:50
